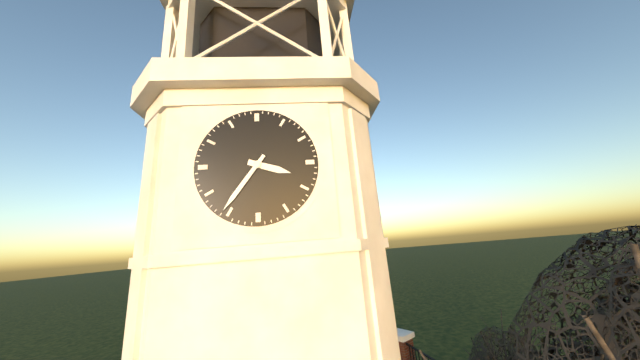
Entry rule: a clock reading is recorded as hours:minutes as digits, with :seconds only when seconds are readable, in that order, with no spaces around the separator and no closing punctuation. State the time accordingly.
3:36
